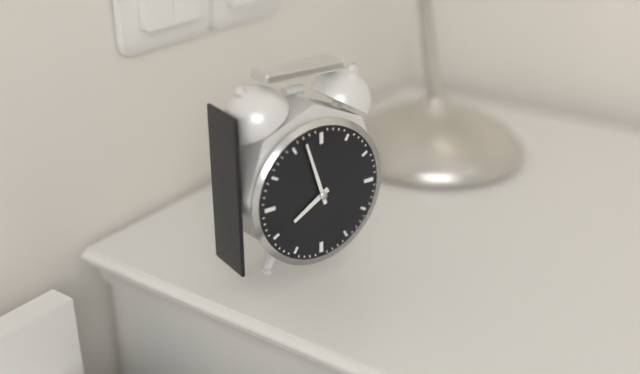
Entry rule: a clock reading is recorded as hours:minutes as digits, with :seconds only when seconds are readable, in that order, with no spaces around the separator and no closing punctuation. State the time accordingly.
7:57
